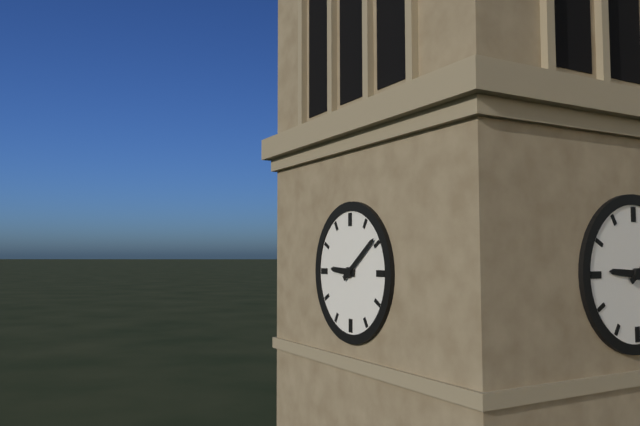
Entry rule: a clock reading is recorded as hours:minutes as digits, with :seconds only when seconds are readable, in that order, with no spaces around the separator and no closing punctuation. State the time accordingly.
9:09
